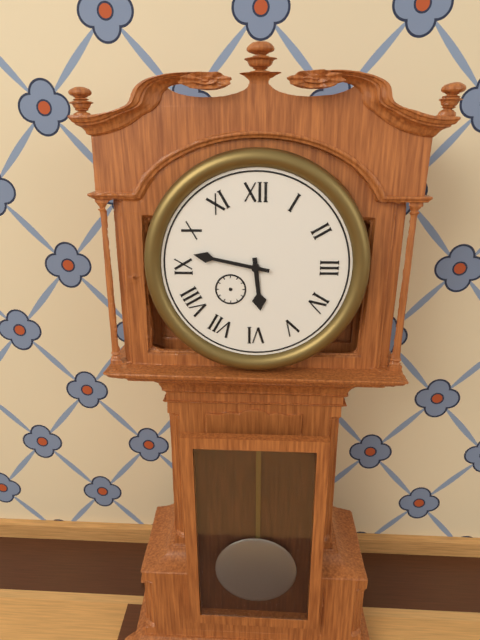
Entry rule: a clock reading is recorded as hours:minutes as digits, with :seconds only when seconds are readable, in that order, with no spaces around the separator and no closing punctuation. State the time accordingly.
5:47
